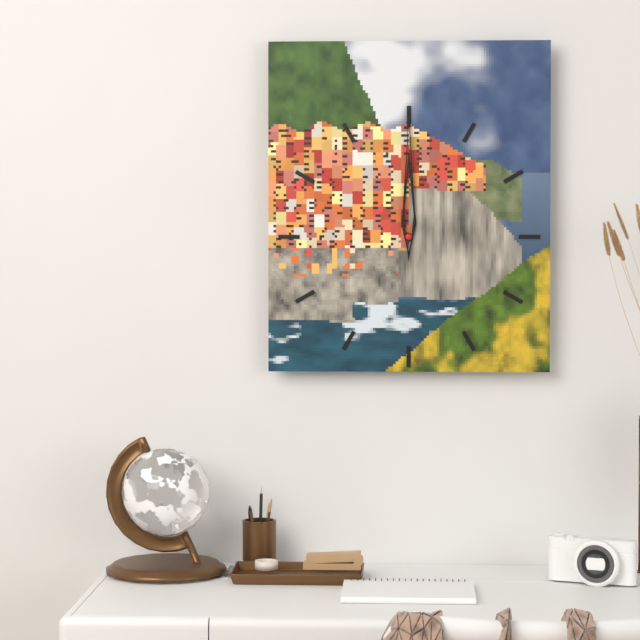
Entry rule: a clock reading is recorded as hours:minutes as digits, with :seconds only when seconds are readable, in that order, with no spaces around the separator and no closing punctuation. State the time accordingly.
12:00
